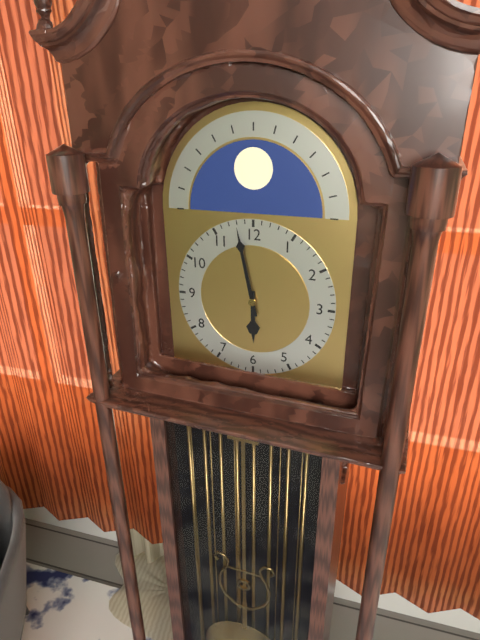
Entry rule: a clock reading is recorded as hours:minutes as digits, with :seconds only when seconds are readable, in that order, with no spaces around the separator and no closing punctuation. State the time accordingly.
5:58
